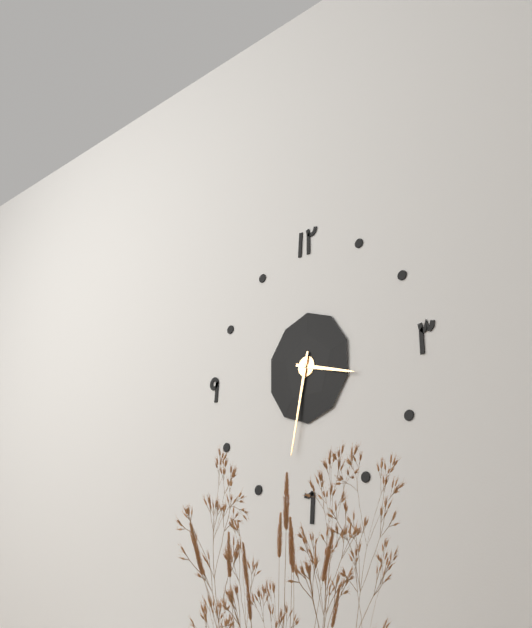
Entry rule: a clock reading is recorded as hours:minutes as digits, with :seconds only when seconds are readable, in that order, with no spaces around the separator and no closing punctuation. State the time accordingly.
3:32
